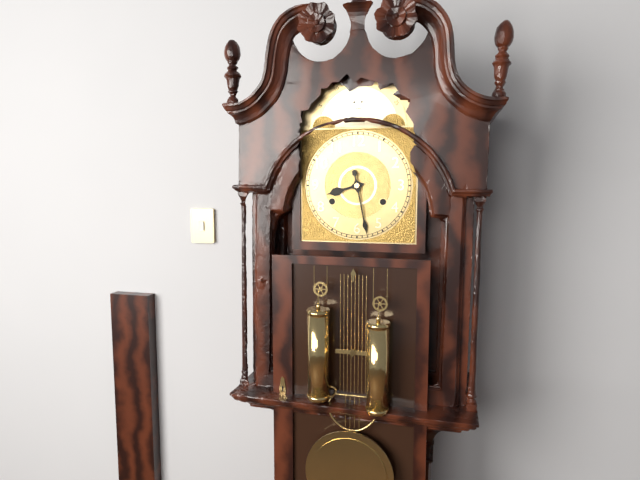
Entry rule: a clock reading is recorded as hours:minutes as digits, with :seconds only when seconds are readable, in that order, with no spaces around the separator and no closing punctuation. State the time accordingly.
8:28
